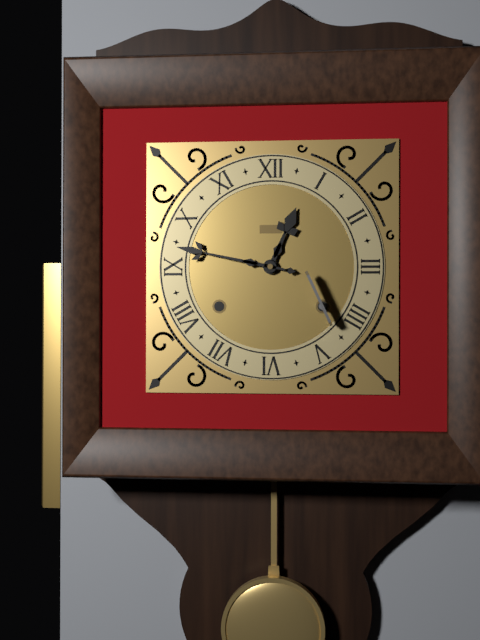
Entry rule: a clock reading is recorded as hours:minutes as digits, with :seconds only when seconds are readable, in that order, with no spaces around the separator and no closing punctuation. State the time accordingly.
12:47
